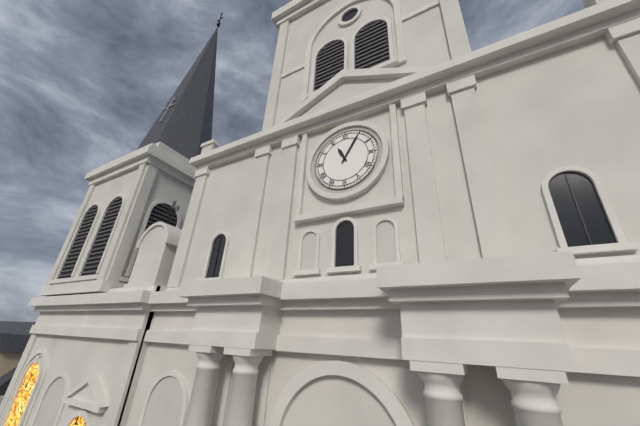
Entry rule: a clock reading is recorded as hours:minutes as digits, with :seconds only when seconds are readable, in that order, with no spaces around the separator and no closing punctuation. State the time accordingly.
11:05
